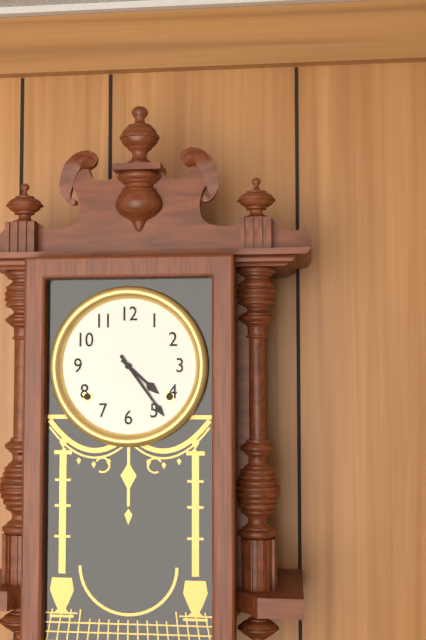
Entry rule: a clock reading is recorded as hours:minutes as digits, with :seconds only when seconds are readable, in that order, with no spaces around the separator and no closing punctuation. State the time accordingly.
4:24
